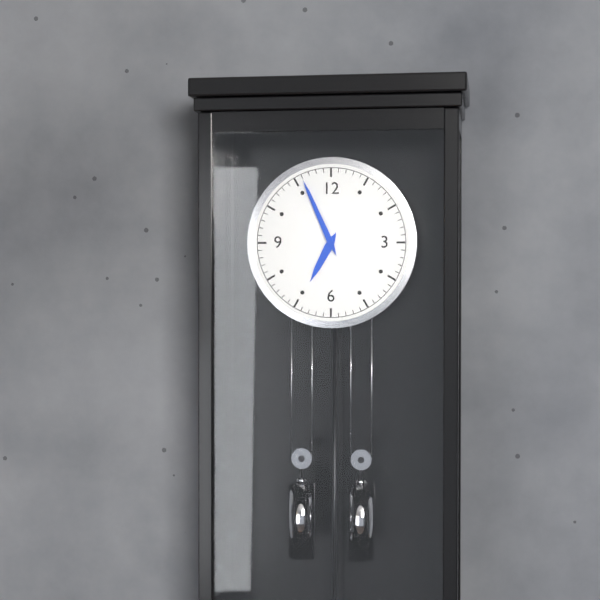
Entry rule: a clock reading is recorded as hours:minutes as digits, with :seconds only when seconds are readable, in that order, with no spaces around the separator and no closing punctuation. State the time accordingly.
6:56
